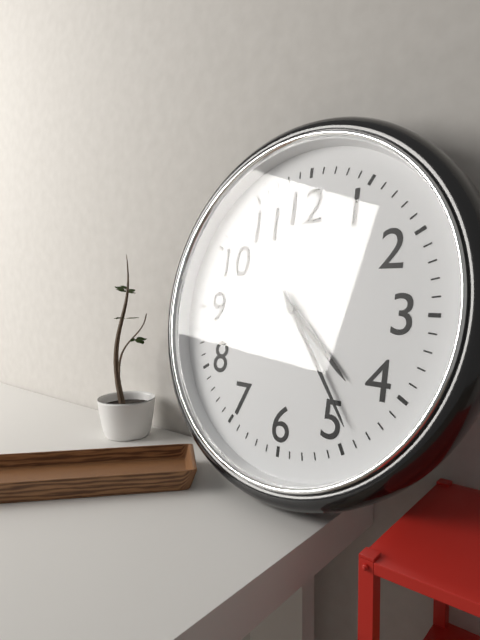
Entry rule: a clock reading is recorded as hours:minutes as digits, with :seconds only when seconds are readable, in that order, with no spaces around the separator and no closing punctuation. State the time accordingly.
4:24
